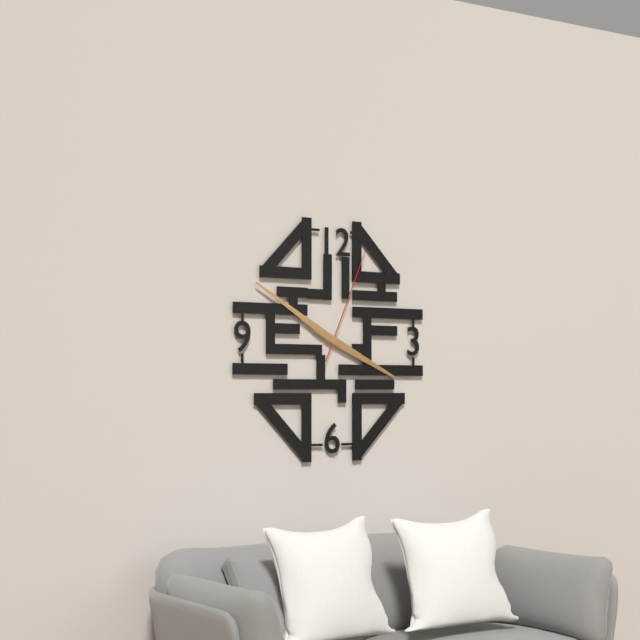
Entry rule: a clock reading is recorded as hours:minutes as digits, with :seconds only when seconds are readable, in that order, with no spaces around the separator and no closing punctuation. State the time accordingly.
3:50:04
